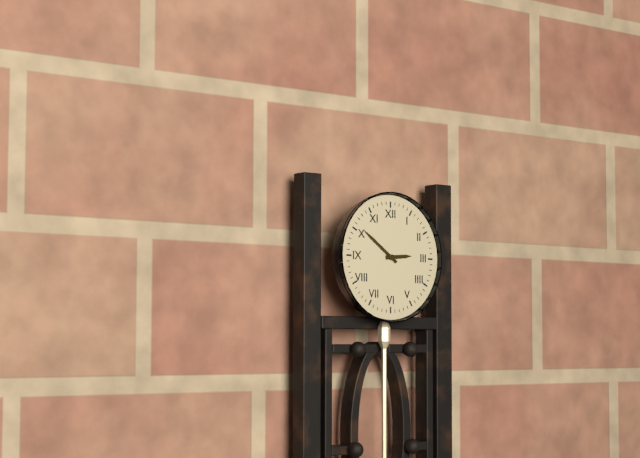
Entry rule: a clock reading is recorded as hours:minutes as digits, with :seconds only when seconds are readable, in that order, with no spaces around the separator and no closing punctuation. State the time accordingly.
2:51
